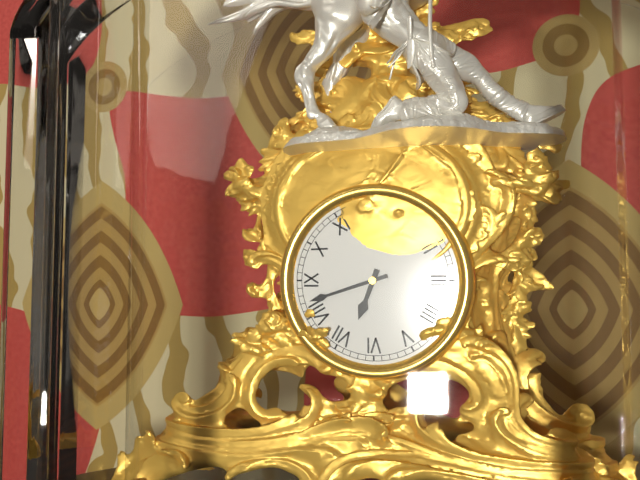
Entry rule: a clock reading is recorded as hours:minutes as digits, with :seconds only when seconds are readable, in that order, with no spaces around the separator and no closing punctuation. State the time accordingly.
6:42
